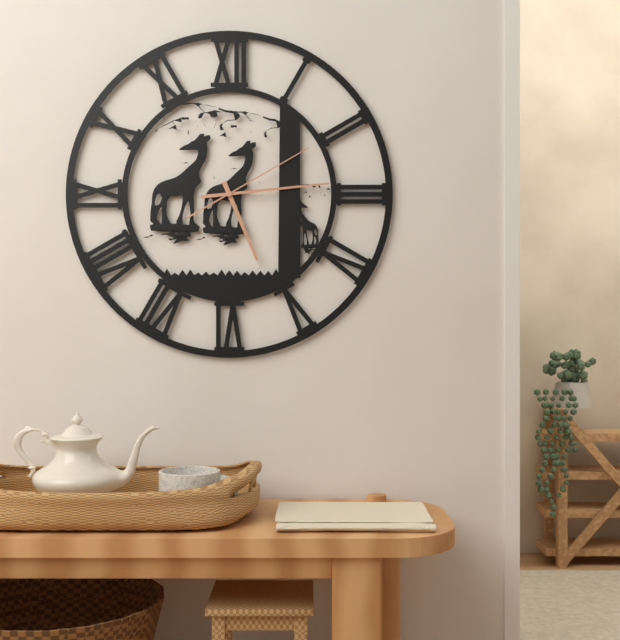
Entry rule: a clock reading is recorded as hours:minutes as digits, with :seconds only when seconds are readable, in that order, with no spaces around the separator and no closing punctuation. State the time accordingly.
5:14:10
